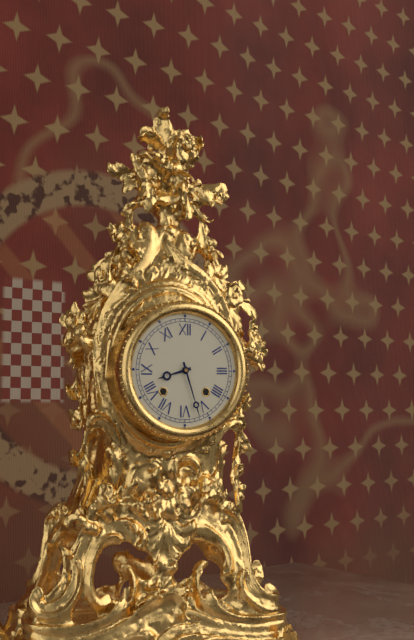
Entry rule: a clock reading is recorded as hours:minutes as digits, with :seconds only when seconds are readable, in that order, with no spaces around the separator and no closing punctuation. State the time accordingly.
8:27
